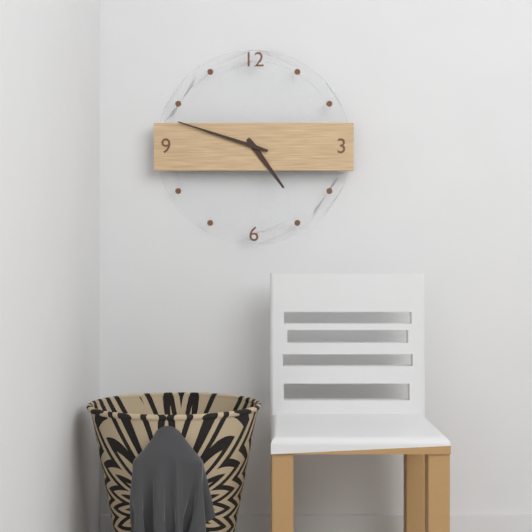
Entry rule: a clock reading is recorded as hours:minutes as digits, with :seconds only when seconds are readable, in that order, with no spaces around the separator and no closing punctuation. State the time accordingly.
4:48
